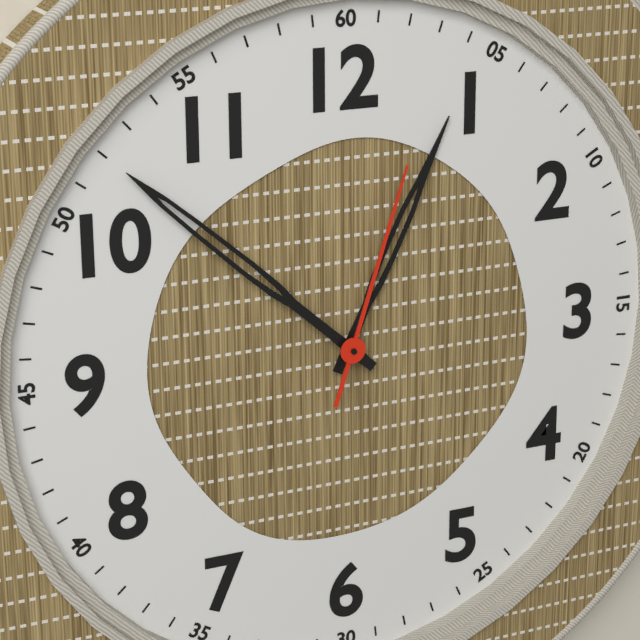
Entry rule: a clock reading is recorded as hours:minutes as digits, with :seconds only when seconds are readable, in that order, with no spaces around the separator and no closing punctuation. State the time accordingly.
12:52:03
